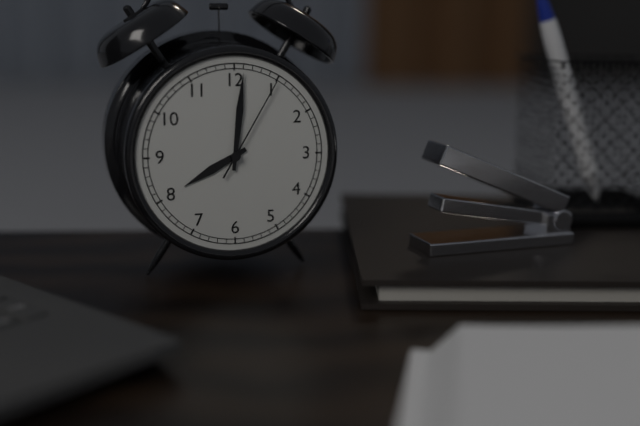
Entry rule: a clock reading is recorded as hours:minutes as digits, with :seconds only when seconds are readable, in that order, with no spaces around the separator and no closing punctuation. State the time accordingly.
8:01:05
